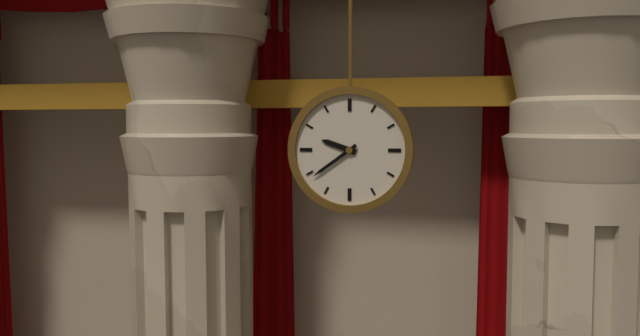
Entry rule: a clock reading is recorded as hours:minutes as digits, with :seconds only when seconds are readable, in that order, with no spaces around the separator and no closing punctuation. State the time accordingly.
9:39
